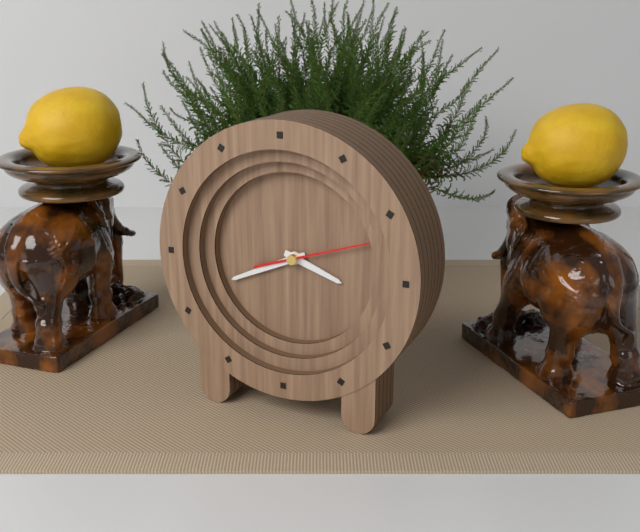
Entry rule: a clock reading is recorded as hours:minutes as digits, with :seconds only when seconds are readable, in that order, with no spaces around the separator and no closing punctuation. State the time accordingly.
3:41:12
